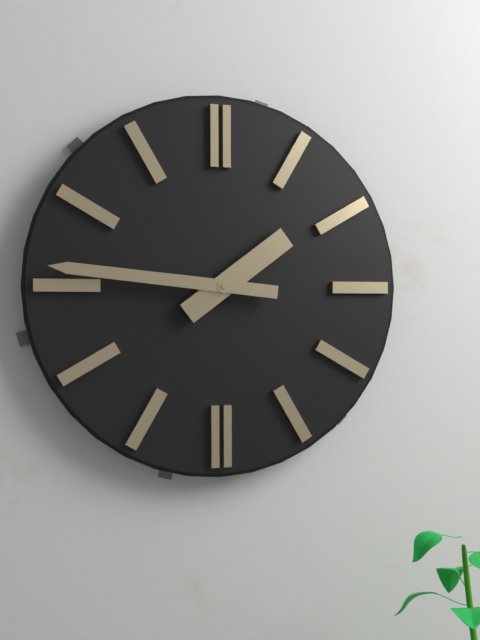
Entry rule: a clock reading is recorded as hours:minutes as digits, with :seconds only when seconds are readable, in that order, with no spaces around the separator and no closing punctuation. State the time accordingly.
1:46
